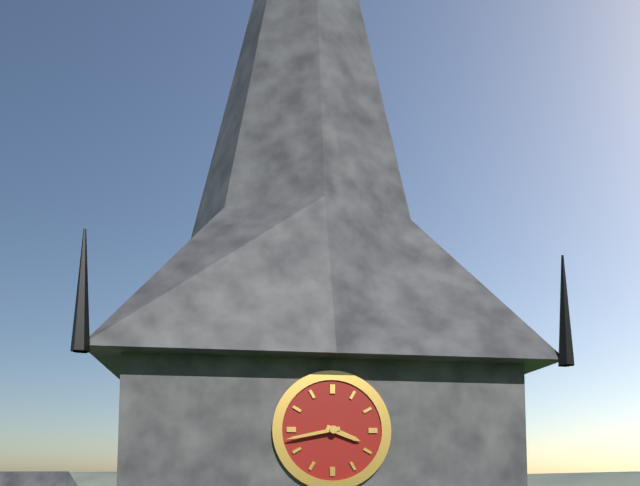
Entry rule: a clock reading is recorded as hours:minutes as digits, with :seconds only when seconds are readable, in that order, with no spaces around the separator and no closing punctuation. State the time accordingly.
3:43
